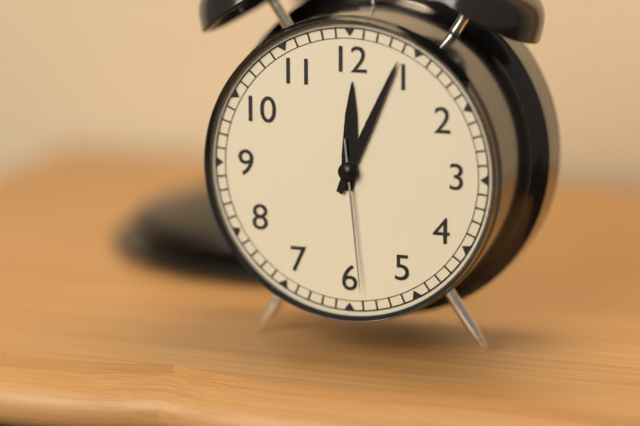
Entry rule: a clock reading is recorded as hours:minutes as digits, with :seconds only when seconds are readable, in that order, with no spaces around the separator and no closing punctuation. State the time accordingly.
12:04:29
